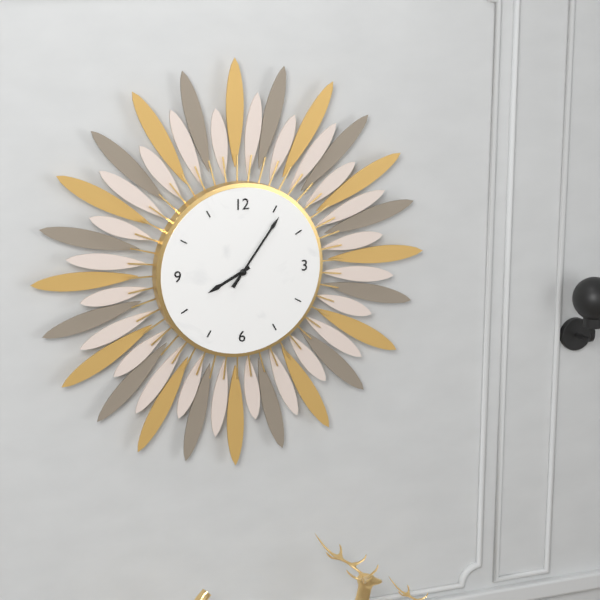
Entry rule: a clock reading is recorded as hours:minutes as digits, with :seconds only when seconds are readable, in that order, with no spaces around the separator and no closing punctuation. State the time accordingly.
8:06
